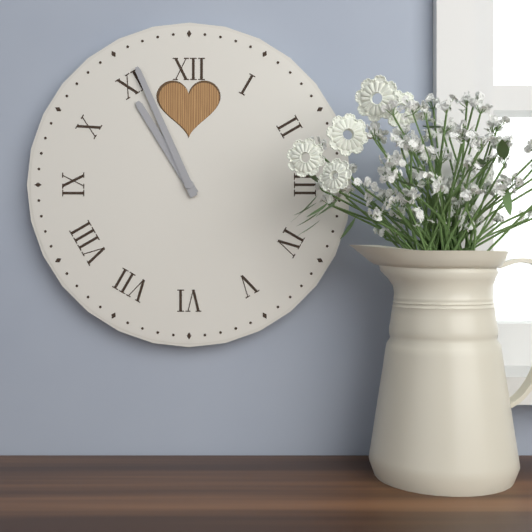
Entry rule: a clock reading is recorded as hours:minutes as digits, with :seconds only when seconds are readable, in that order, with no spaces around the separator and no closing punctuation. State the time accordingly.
10:56
